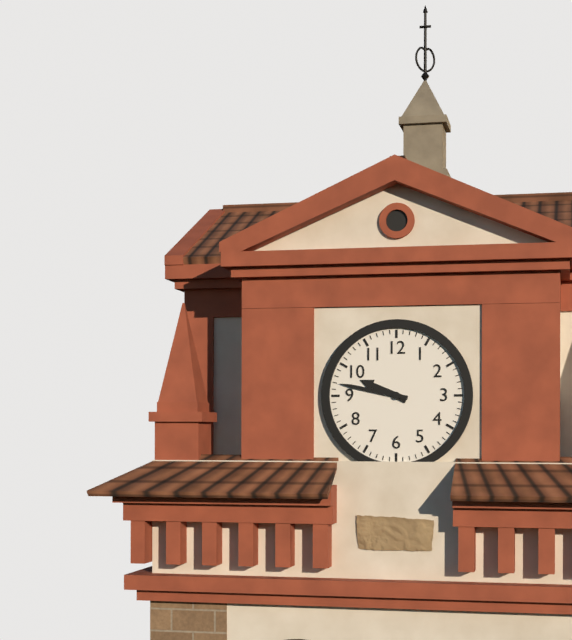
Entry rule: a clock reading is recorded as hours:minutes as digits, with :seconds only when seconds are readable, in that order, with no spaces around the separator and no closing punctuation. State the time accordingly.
9:47
